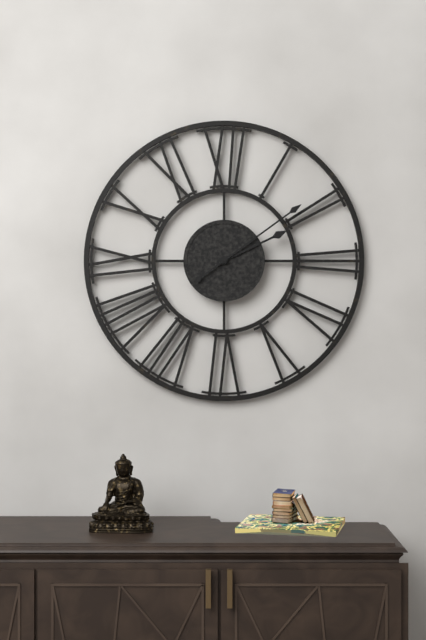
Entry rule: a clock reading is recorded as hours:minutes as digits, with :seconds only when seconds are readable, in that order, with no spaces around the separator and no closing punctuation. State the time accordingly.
2:09
